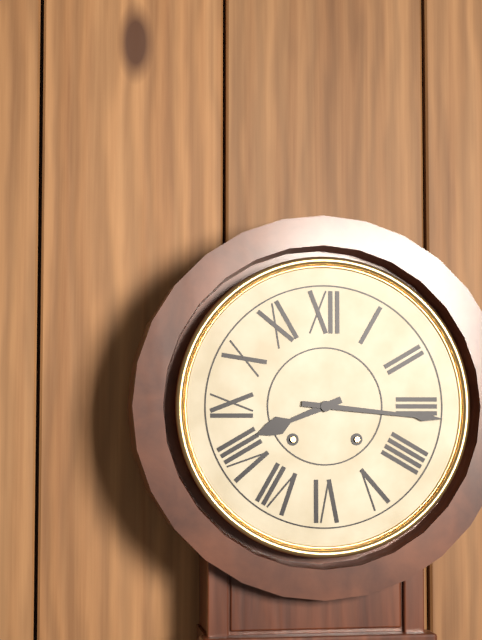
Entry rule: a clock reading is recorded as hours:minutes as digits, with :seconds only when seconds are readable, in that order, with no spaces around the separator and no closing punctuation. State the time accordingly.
8:16
